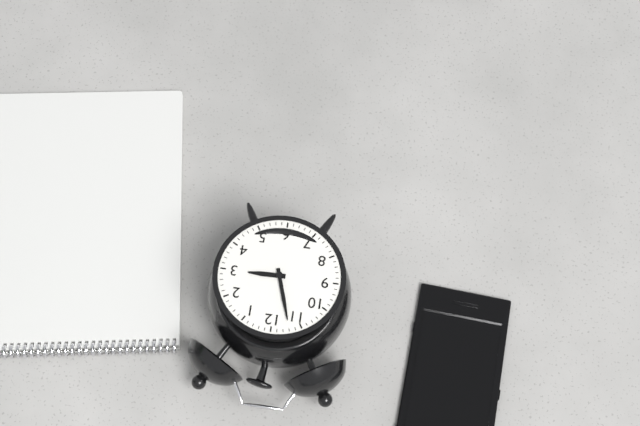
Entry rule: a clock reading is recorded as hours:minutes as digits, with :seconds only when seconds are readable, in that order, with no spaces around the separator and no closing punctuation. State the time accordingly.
2:57
